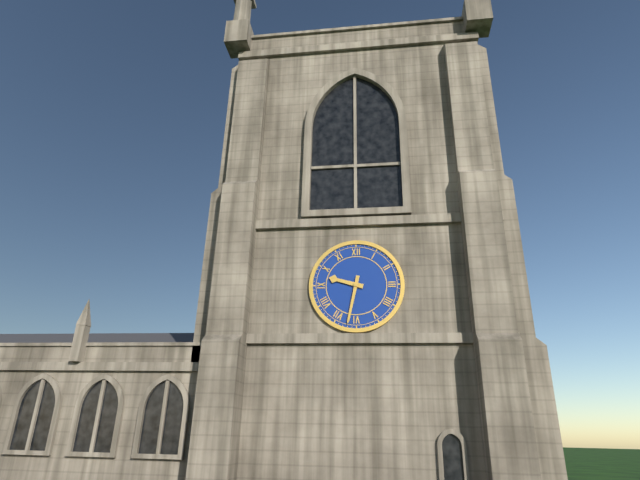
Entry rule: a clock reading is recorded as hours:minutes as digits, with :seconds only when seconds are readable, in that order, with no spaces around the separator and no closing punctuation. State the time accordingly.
9:32
